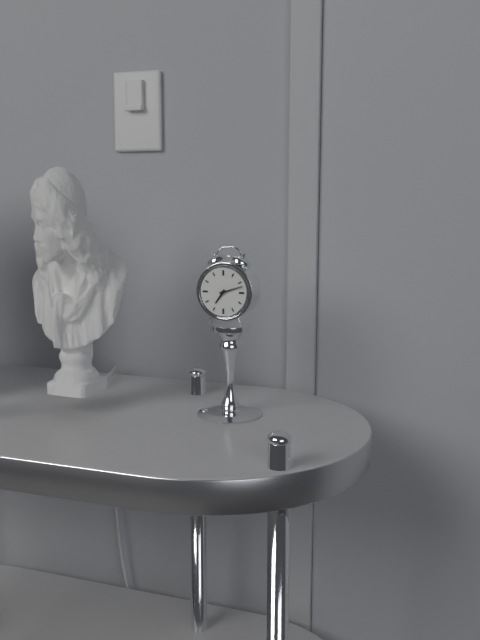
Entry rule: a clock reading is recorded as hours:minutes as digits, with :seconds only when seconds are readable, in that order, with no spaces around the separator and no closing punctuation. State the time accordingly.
7:12
